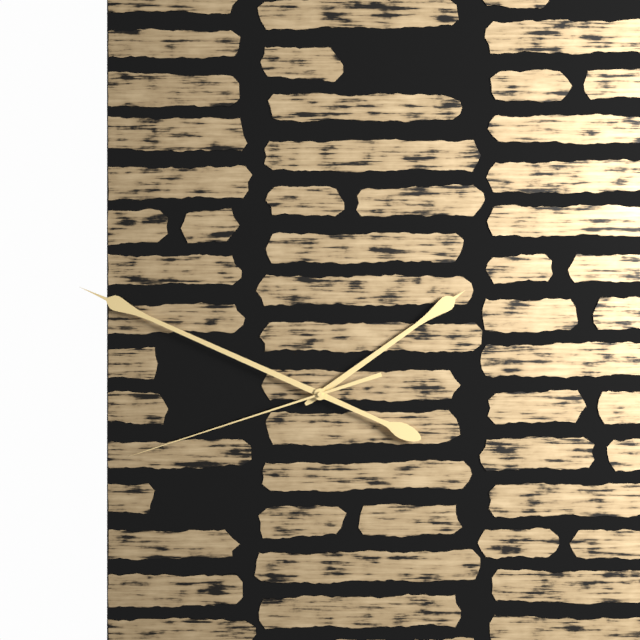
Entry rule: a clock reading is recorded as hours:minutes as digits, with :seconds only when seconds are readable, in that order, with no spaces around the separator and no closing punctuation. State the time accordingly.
1:49:42
